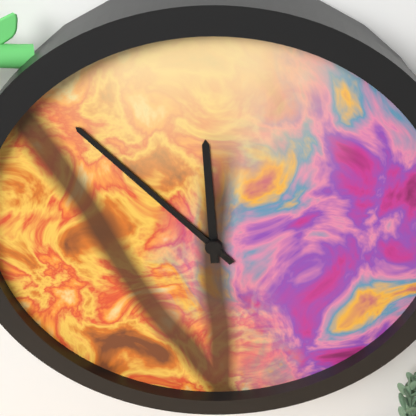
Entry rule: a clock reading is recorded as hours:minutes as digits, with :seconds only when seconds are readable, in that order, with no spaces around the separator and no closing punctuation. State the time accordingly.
11:53
